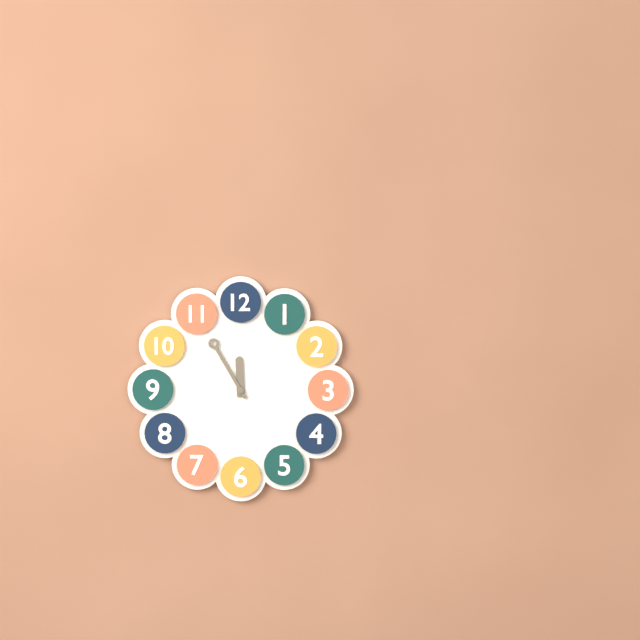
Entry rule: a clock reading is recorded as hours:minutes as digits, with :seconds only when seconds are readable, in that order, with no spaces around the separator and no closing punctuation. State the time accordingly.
11:55
